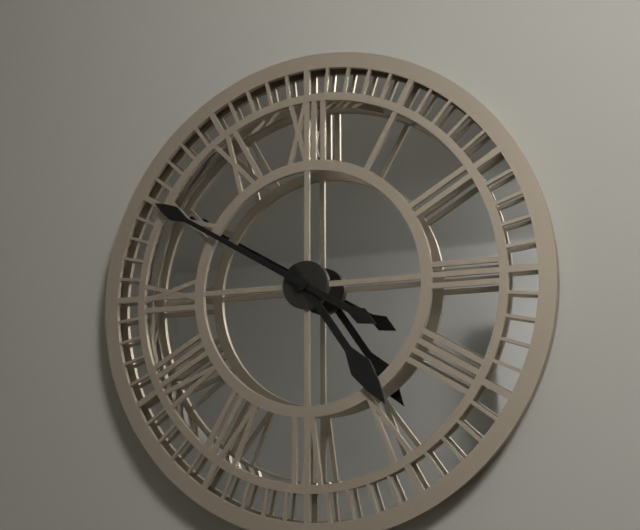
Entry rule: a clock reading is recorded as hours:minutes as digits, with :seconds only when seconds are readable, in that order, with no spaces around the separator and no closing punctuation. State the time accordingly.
4:50
